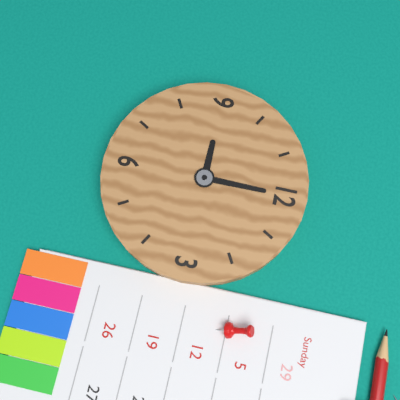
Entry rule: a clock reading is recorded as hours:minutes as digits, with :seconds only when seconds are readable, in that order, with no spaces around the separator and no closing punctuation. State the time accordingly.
9:00
